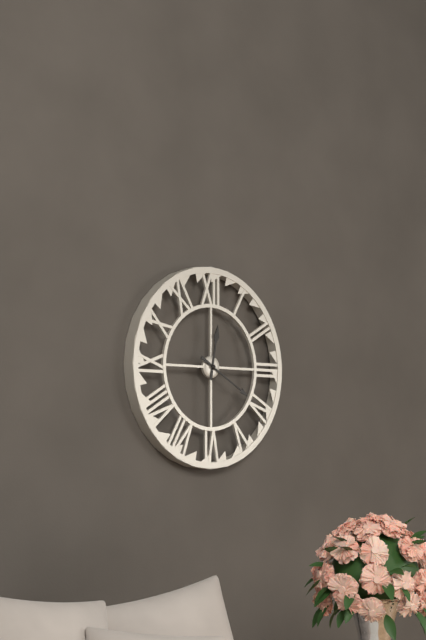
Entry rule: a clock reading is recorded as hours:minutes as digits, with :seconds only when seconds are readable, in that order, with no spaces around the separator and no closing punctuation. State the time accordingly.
12:20
